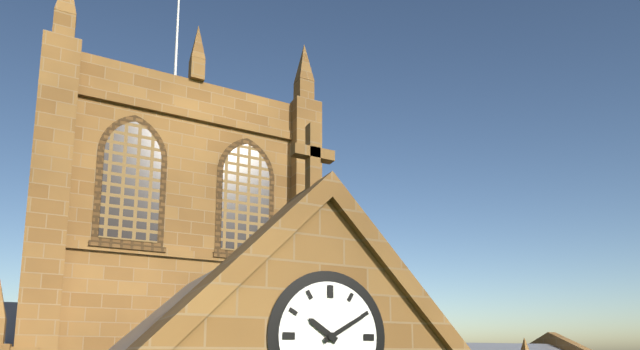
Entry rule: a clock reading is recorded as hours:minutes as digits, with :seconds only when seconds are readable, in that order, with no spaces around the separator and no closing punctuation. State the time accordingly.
10:10
